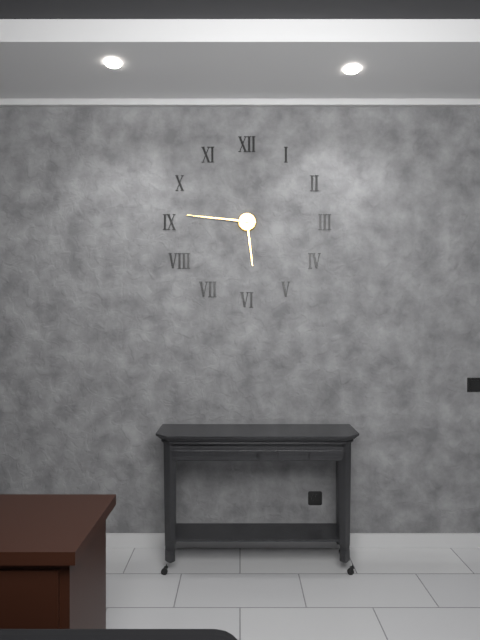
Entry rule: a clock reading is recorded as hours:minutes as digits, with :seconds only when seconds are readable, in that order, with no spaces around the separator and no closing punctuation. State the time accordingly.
5:46
